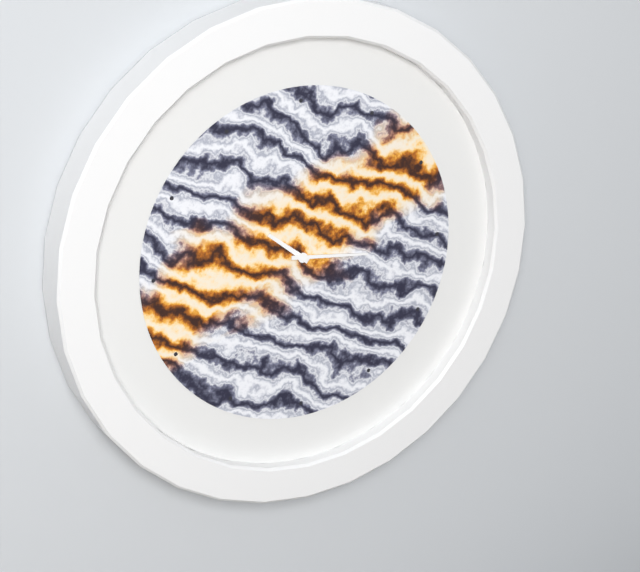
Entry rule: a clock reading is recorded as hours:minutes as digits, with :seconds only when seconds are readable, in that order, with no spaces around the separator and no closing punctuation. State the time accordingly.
10:16
